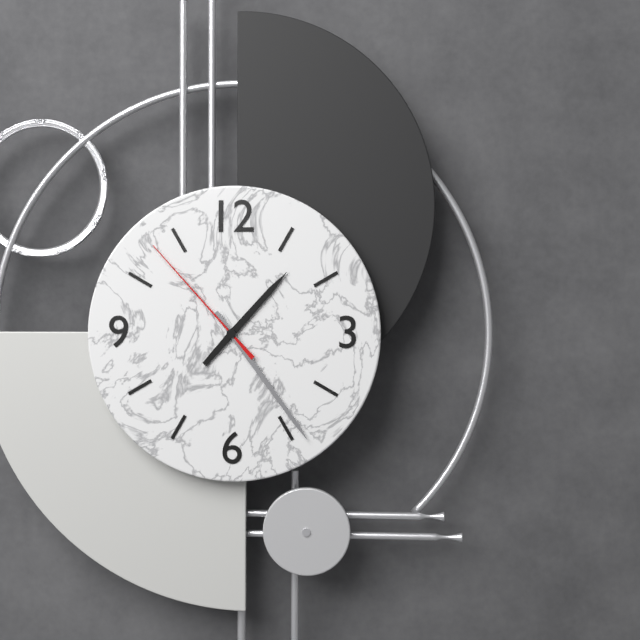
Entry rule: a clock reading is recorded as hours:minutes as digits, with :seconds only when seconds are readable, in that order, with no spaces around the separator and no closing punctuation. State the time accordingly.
1:24:53
